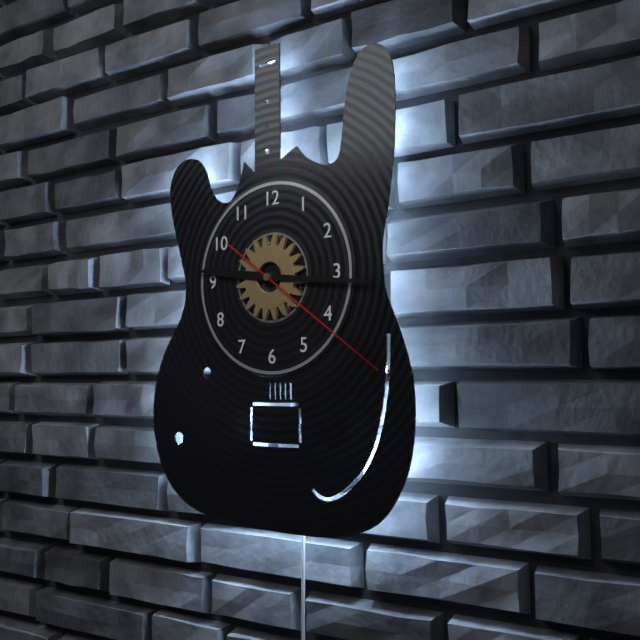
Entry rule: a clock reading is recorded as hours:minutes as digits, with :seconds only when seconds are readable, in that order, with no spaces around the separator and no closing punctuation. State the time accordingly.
9:16:21
